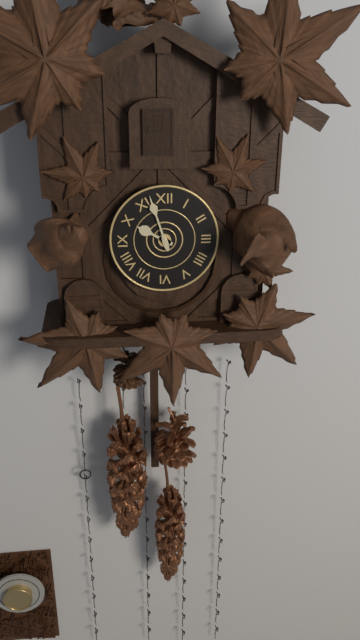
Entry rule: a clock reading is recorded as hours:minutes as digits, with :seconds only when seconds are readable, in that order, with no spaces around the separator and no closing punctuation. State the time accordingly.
9:57
